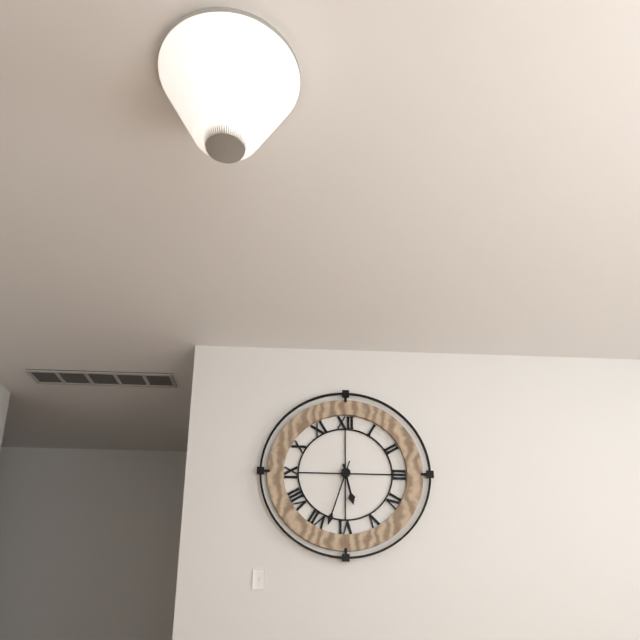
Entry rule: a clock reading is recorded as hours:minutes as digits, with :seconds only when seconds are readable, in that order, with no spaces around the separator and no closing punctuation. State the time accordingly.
5:33
